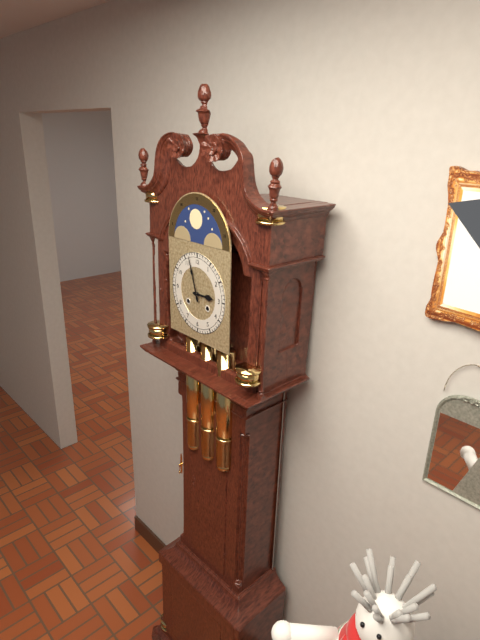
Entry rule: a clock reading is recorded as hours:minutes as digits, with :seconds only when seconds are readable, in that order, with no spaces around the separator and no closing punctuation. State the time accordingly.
2:57
